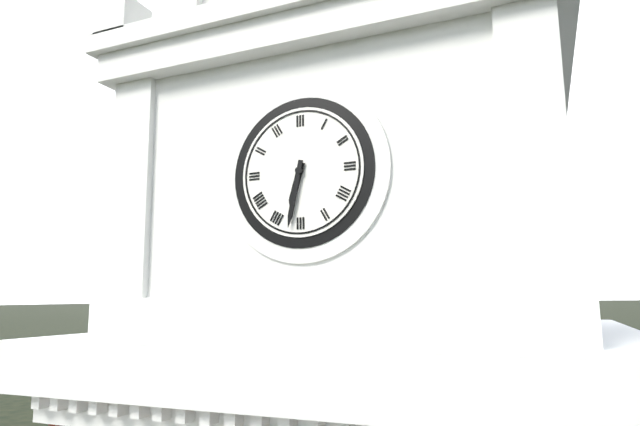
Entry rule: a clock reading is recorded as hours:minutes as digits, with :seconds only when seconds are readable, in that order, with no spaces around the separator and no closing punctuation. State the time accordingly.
6:32
